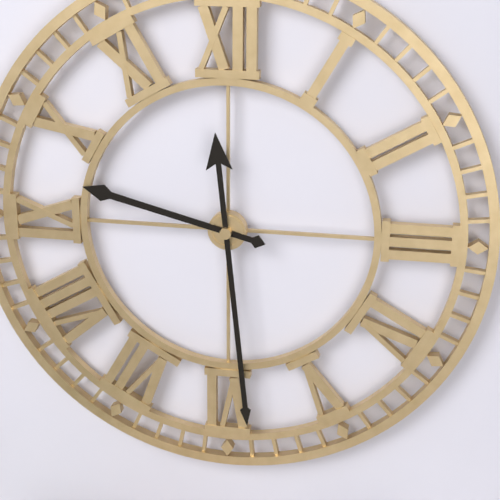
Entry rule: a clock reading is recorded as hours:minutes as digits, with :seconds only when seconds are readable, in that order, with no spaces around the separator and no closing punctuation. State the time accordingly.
9:29
